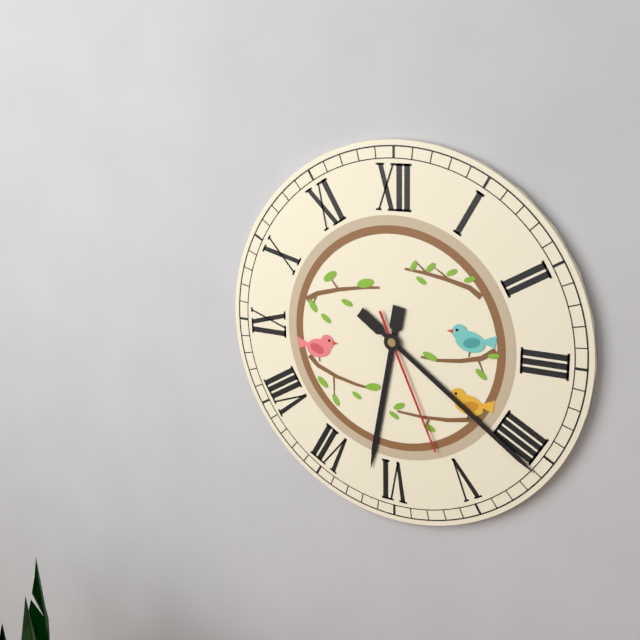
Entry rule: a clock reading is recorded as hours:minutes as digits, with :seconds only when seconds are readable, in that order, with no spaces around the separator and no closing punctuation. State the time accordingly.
6:21:26
